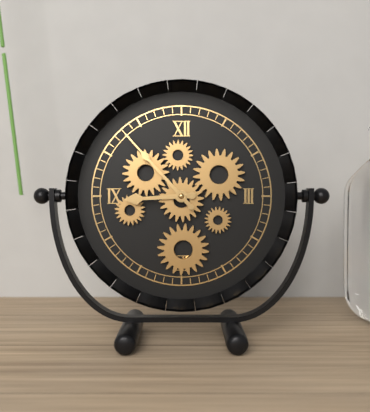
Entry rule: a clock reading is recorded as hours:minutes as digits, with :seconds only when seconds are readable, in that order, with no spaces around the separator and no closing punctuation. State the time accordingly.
8:53
